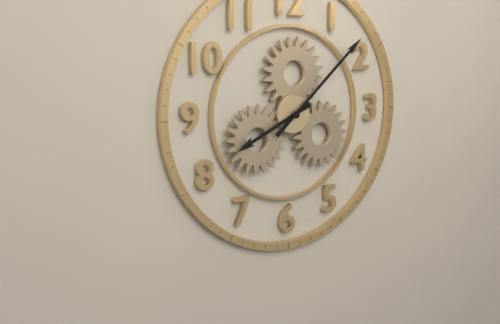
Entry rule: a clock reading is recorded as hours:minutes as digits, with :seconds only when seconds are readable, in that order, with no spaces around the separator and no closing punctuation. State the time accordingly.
8:08
